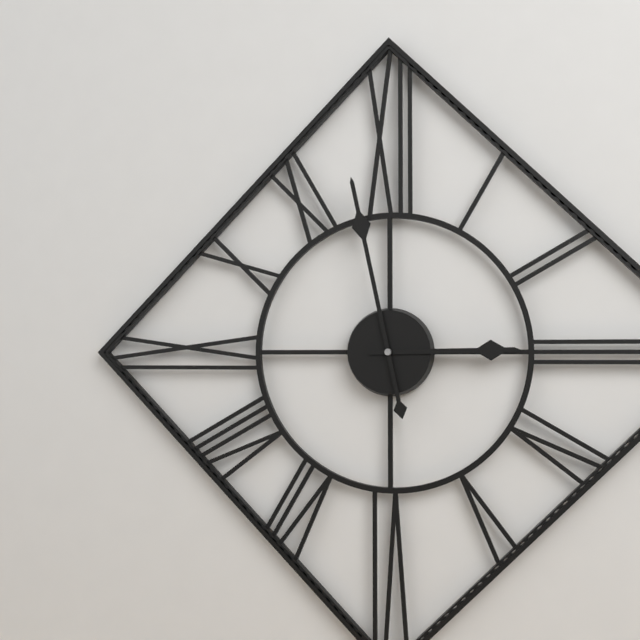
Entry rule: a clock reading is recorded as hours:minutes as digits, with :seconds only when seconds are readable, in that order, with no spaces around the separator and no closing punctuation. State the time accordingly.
2:58
